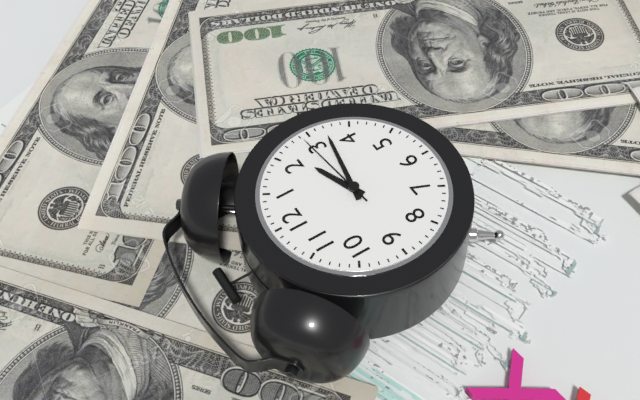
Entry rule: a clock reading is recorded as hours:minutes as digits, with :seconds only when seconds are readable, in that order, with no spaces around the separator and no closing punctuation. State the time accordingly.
2:17:14
